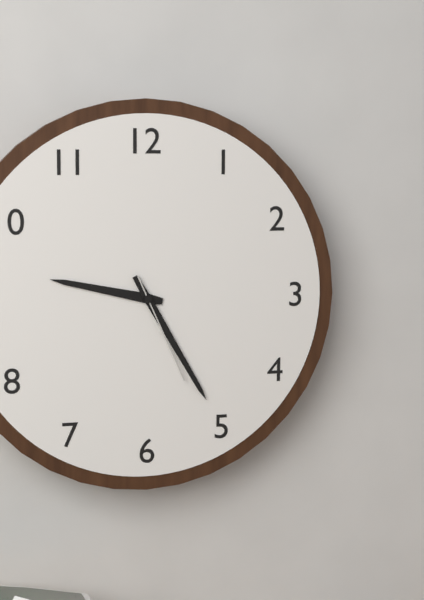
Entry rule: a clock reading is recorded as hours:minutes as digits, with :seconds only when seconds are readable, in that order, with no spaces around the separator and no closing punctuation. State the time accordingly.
9:25:26
